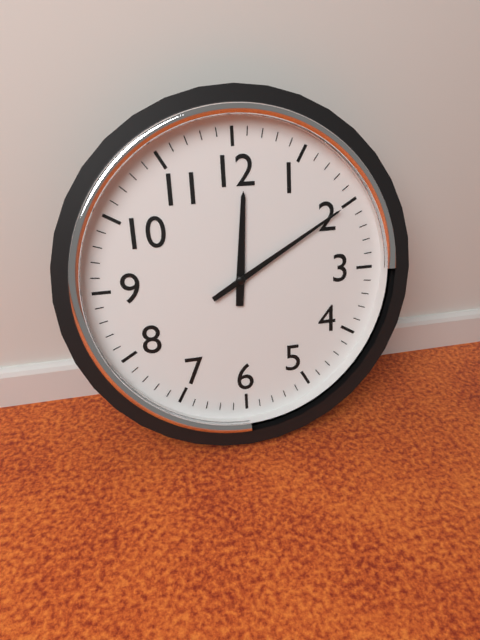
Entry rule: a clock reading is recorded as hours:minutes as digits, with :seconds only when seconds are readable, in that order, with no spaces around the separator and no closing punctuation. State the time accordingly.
12:10
